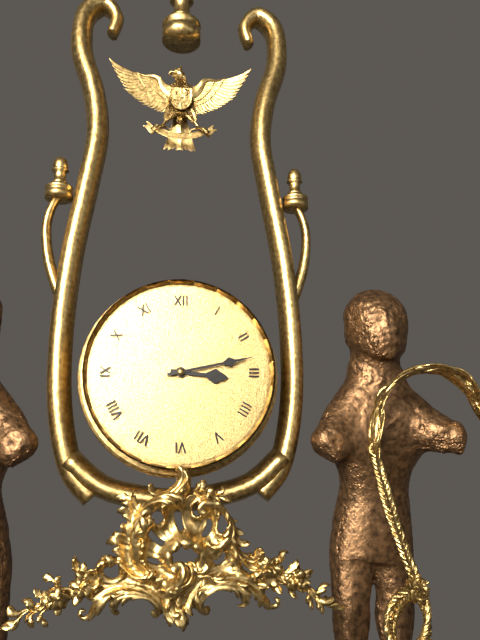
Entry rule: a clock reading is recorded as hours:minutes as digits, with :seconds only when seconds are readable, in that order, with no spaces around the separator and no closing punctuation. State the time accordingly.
3:13
